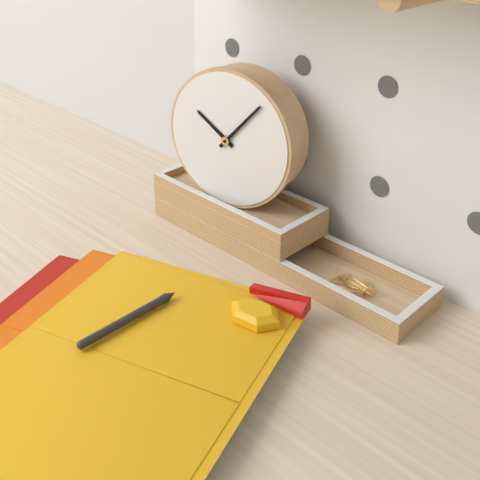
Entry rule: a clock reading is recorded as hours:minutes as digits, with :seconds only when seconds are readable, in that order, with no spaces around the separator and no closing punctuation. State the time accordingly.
10:07
